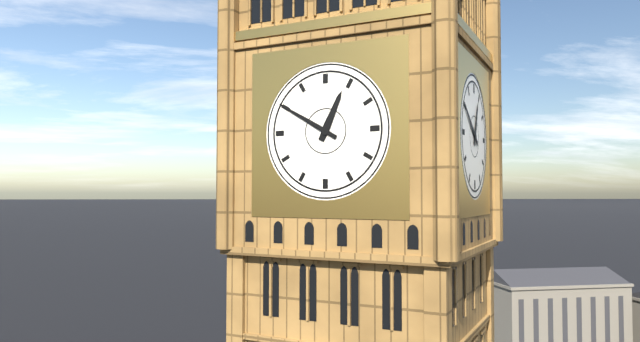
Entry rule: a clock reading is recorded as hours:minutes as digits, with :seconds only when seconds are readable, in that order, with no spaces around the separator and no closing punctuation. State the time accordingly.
12:50
